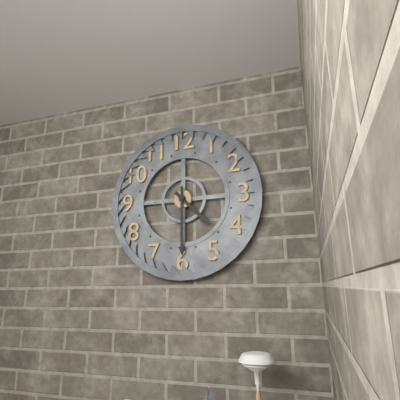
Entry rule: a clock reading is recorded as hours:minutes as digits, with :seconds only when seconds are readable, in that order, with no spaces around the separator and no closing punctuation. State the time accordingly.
4:30
